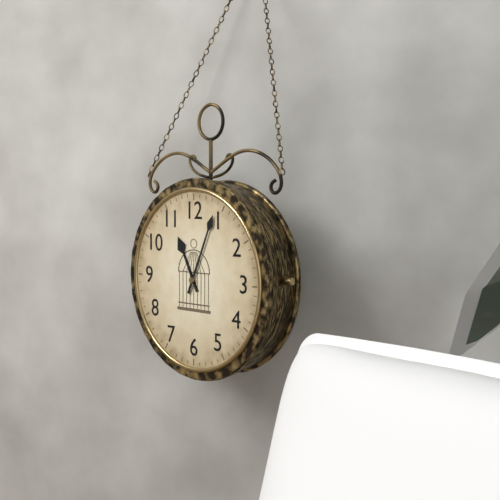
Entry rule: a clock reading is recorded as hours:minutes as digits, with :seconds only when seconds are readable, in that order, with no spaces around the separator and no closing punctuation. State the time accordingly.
11:04
